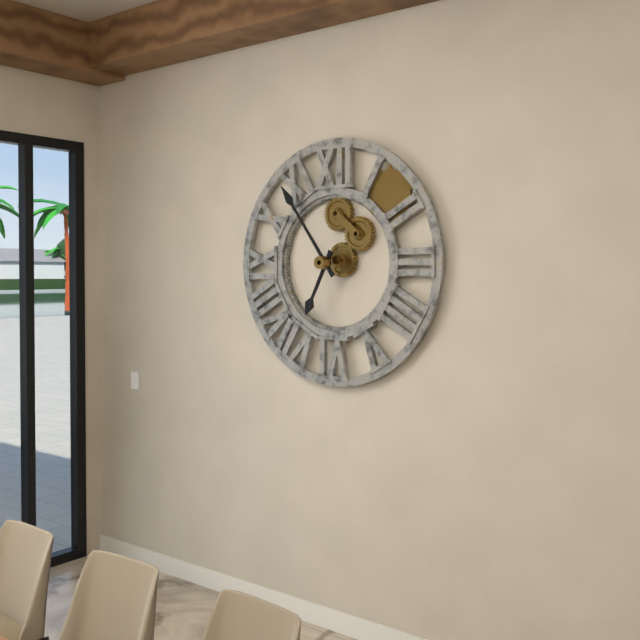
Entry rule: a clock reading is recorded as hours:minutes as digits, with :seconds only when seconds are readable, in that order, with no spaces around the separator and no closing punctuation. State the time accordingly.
6:54
